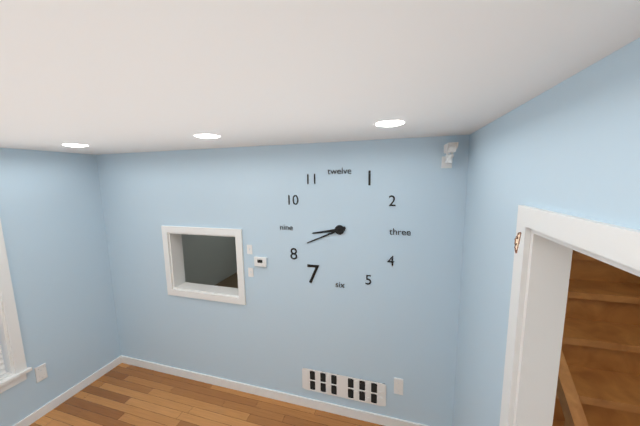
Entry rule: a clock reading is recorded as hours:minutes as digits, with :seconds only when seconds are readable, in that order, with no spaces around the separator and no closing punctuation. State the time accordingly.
8:41
